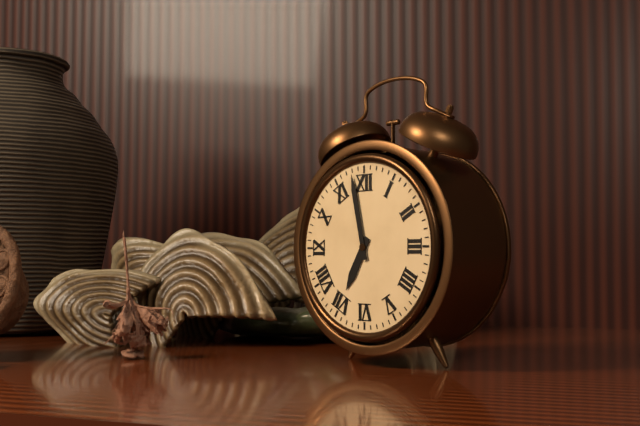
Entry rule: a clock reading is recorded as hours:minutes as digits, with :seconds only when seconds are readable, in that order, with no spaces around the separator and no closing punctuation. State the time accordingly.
6:58
